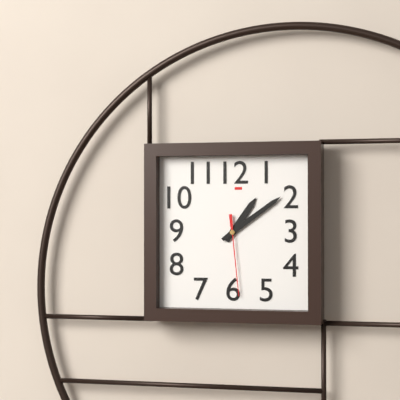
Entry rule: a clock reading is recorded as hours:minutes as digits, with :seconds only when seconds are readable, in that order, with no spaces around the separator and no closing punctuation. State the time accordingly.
1:09:29
